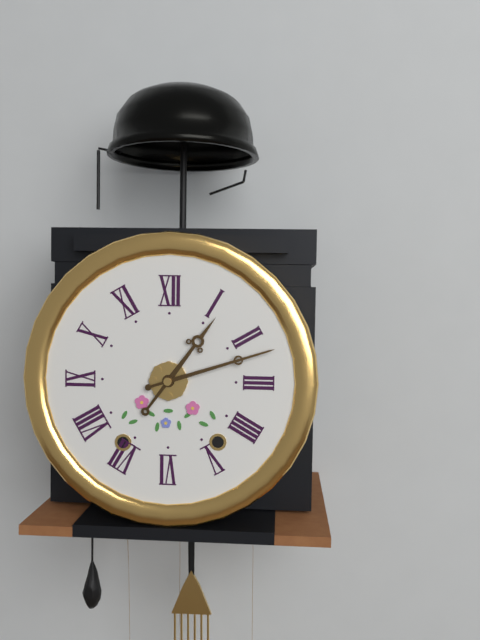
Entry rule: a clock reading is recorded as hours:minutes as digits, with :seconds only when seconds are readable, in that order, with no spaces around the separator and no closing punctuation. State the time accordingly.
1:12
